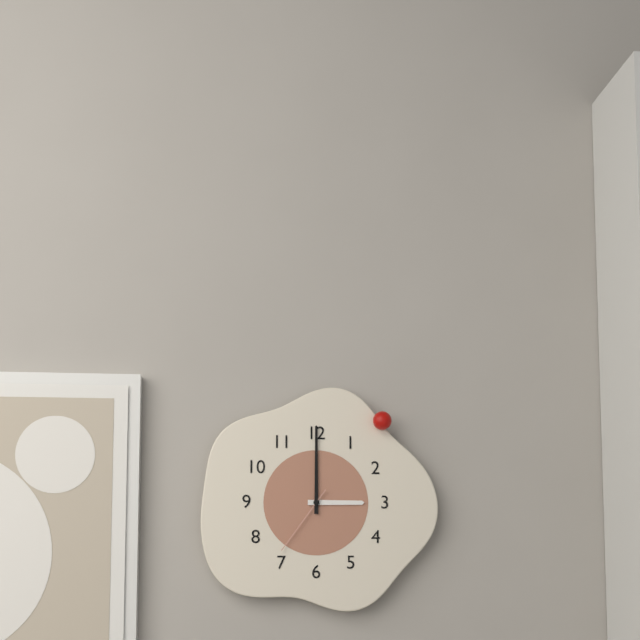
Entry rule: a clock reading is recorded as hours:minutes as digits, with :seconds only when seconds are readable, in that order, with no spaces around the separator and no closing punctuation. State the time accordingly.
3:00:36
